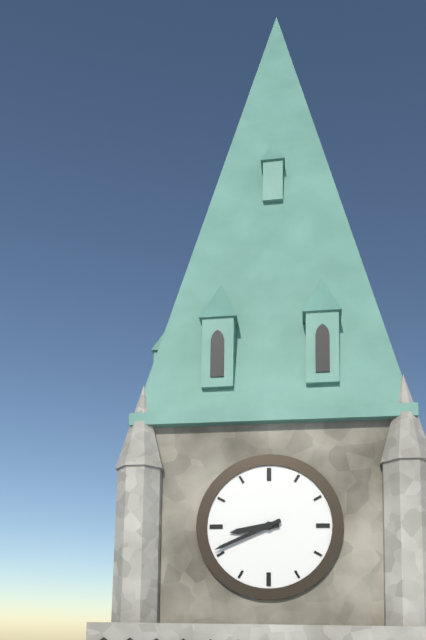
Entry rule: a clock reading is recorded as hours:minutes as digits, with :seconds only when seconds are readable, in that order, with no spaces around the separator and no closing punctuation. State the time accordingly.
8:41
